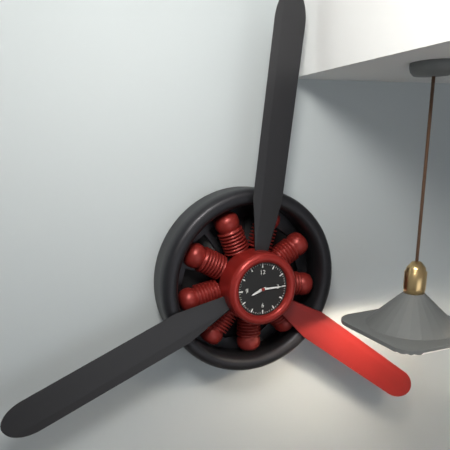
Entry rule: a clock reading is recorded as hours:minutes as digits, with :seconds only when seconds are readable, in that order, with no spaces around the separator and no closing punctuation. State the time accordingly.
8:15
